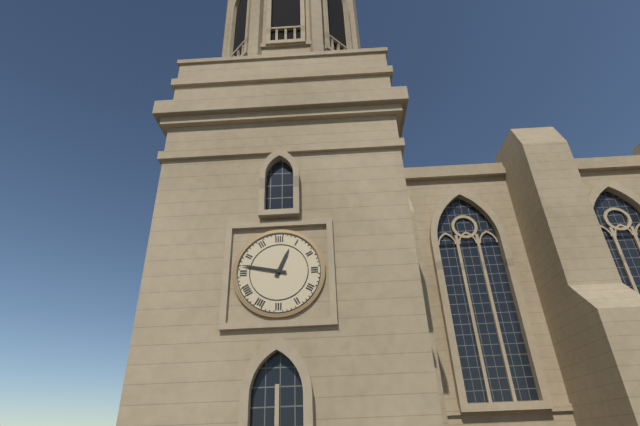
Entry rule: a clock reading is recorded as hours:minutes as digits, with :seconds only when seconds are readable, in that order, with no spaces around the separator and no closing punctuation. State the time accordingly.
12:47
